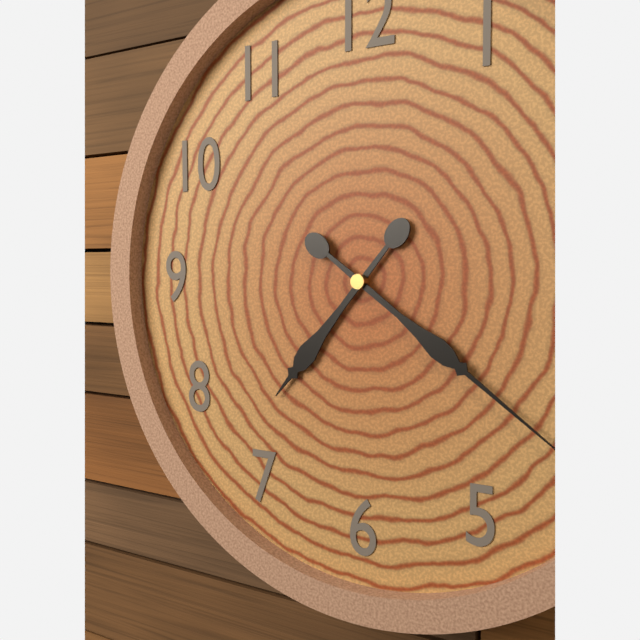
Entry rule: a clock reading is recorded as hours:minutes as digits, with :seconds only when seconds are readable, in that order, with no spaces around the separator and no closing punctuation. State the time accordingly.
7:21
